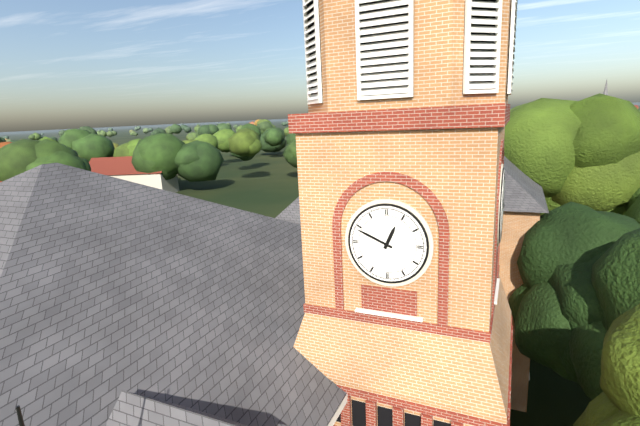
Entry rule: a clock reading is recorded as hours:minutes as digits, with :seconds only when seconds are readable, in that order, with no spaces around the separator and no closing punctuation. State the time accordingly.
12:49
